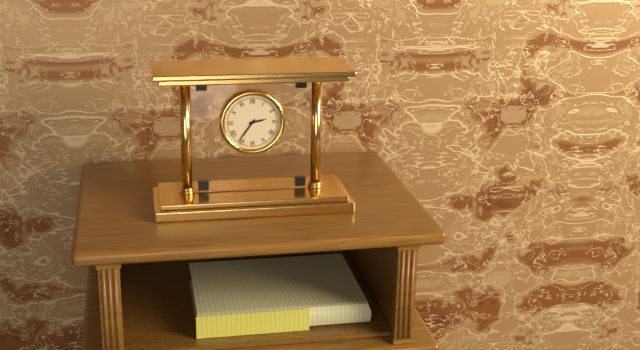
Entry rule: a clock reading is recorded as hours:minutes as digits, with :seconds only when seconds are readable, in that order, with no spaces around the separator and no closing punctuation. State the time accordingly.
2:36
